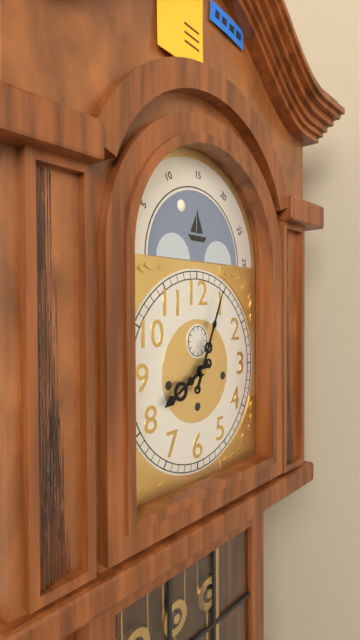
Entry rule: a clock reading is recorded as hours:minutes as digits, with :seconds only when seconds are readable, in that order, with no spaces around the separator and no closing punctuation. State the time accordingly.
8:04
